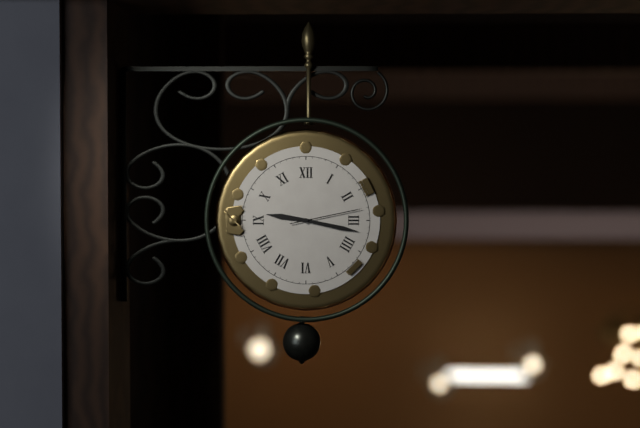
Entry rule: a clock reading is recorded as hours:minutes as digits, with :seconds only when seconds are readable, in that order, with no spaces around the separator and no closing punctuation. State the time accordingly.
9:17:13
